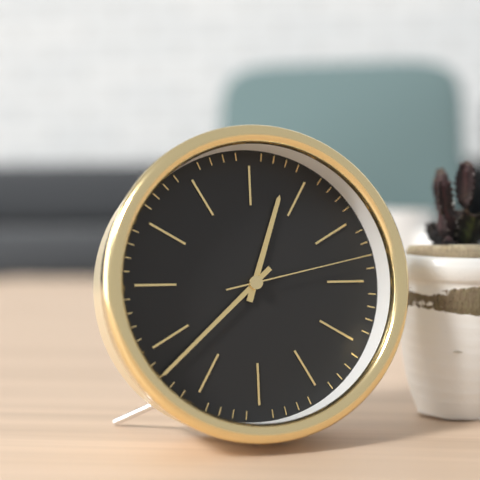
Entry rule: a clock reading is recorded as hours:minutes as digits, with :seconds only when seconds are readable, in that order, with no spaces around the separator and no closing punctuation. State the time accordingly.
12:38:13
